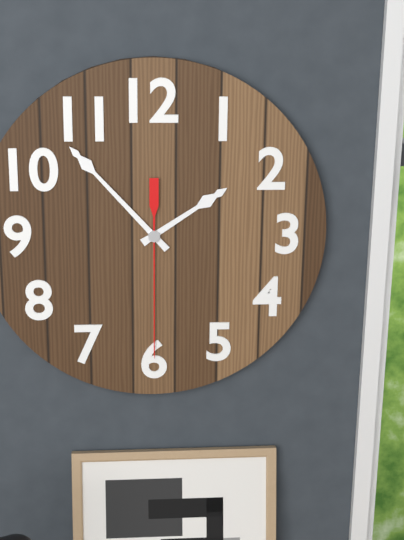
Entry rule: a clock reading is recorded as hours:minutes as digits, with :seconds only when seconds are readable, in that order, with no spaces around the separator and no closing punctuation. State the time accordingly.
1:53:30
